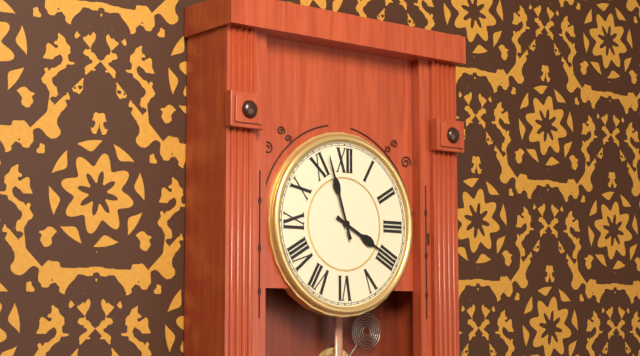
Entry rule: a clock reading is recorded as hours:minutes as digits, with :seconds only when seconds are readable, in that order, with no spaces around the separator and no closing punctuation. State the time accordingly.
3:57
